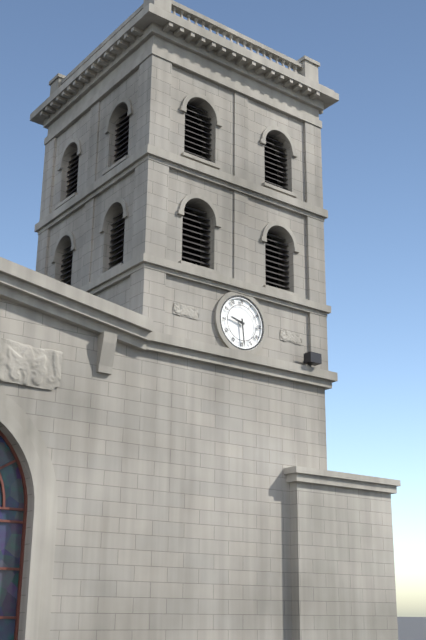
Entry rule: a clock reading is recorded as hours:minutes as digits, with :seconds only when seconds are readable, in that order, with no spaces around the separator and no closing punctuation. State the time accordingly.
9:29
